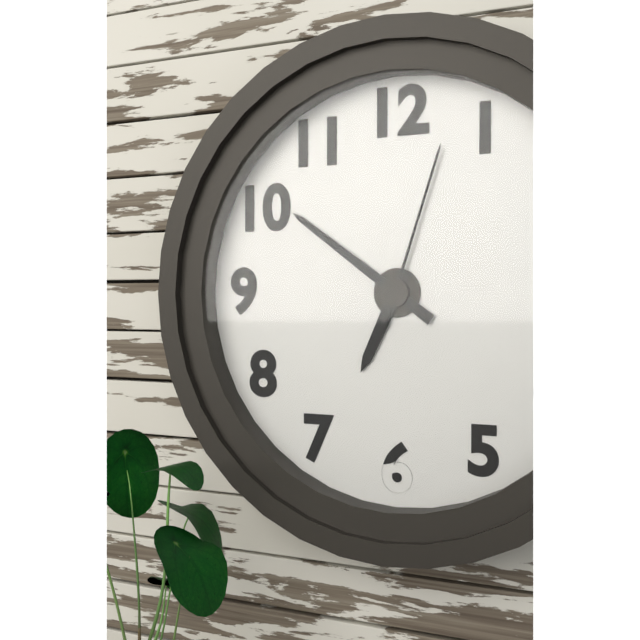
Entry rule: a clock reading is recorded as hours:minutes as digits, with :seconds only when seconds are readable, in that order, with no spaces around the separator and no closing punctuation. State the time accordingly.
6:51:03
